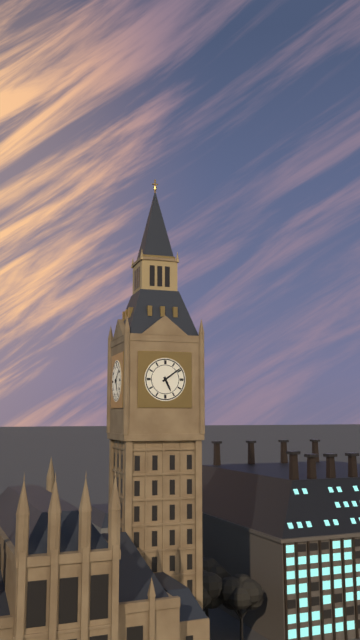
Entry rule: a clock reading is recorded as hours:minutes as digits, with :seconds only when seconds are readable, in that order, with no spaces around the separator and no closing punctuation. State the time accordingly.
5:09
